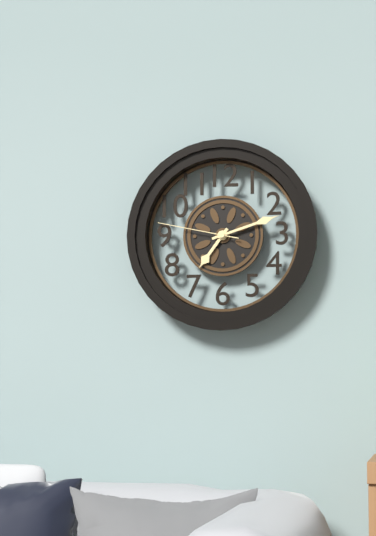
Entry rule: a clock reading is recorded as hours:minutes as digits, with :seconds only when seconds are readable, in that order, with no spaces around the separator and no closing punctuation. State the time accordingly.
7:12:47
